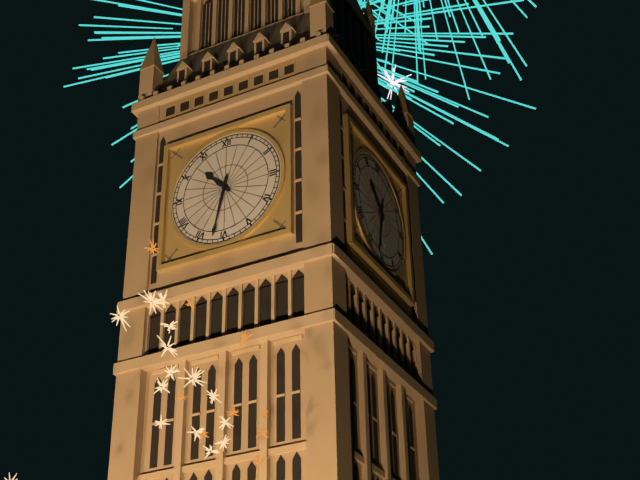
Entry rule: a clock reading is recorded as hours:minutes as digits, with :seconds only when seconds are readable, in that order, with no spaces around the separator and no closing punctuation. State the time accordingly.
10:32
